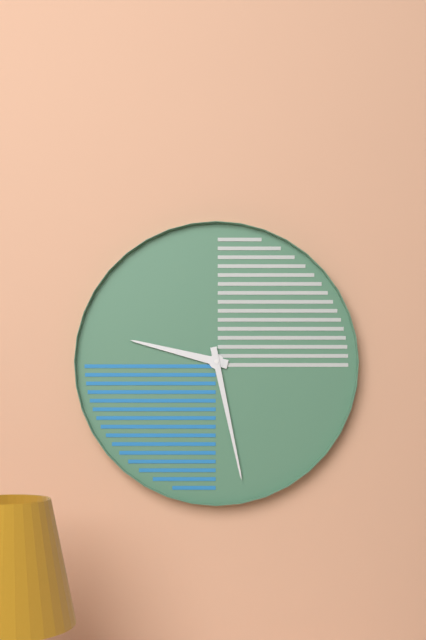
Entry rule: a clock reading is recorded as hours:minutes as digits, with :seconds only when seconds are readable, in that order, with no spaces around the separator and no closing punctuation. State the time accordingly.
9:28
